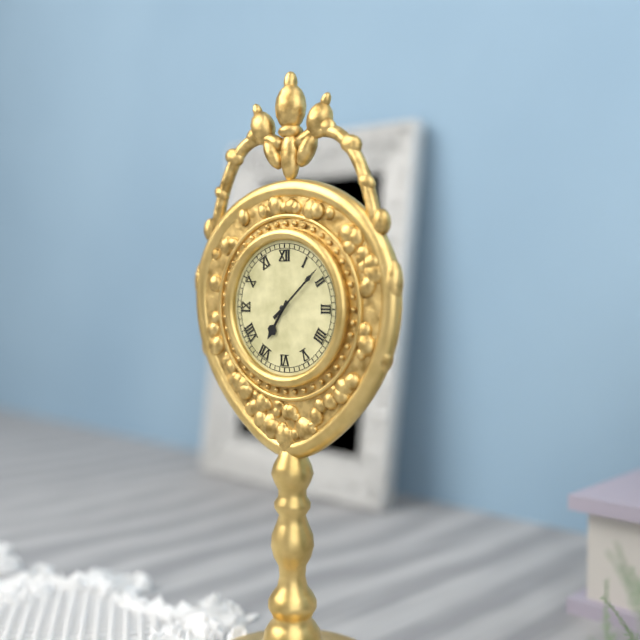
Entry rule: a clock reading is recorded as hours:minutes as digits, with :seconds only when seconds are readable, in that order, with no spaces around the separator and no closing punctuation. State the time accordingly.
7:08
